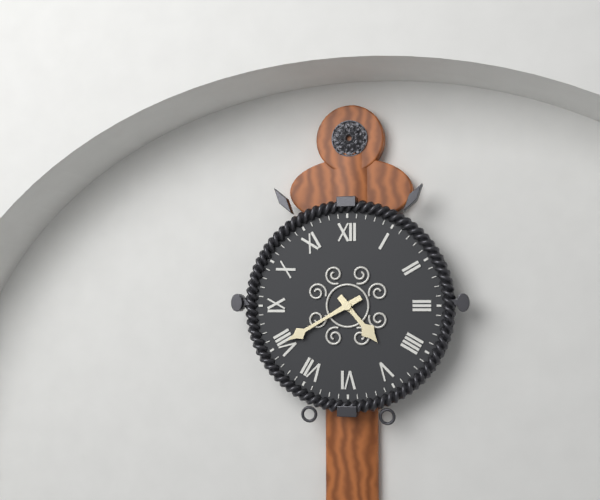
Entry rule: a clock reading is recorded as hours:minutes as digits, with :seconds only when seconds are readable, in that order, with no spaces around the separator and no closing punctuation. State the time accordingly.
4:40
